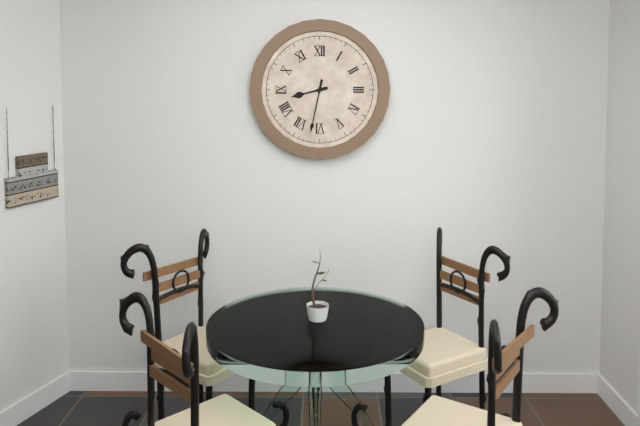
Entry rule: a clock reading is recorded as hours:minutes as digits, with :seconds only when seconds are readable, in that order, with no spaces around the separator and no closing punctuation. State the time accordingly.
8:32
